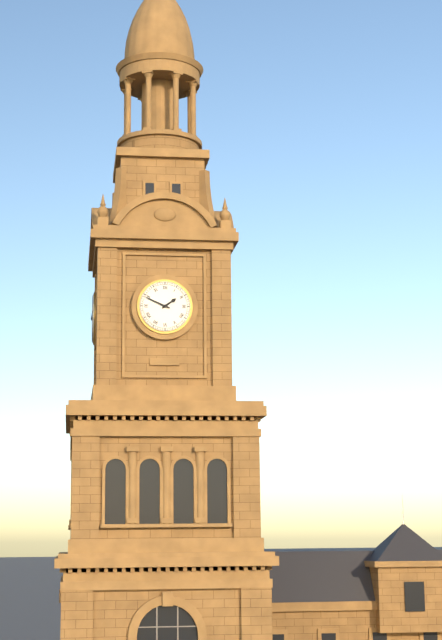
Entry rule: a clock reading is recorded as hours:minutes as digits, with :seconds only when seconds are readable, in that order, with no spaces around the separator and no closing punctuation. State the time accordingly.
1:49
